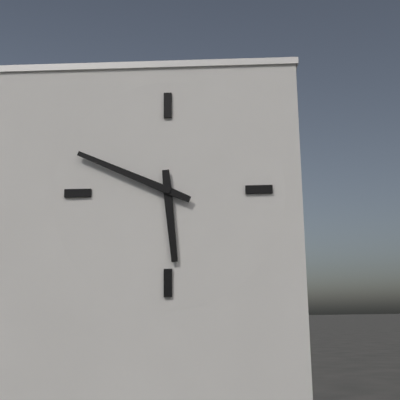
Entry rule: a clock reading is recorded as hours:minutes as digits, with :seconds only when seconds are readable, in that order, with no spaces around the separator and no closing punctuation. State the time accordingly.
5:49
